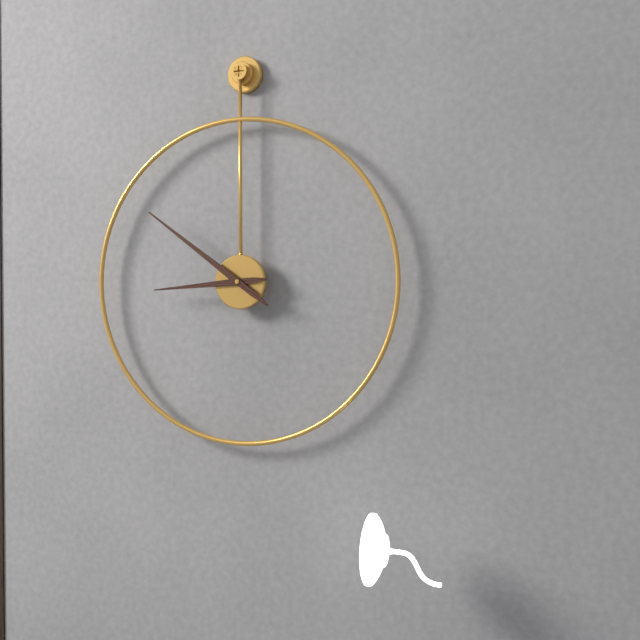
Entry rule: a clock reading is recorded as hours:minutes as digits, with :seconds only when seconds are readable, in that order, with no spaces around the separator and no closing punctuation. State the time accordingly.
8:51
